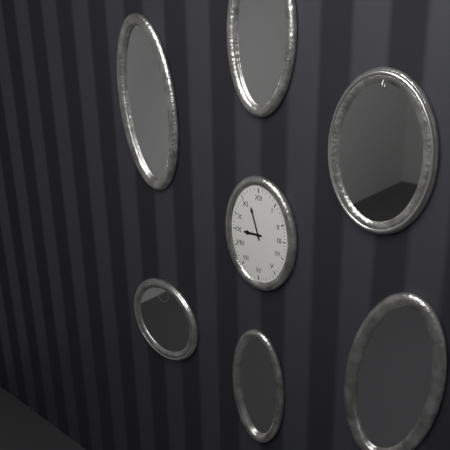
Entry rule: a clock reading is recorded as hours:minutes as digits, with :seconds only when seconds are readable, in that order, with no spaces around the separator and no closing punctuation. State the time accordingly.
8:57
